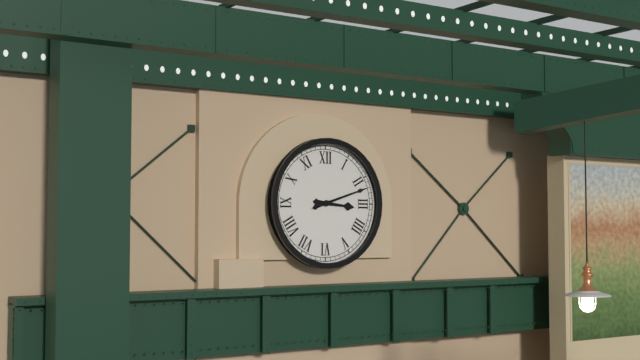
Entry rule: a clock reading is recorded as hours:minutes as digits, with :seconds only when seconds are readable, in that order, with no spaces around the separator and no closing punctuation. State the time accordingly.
3:12
